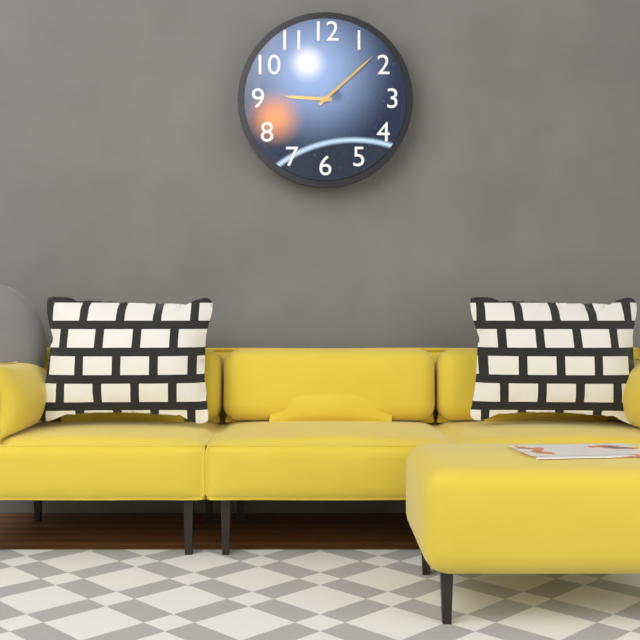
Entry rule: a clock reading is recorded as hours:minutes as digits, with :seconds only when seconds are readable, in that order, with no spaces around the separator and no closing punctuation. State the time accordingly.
9:08
